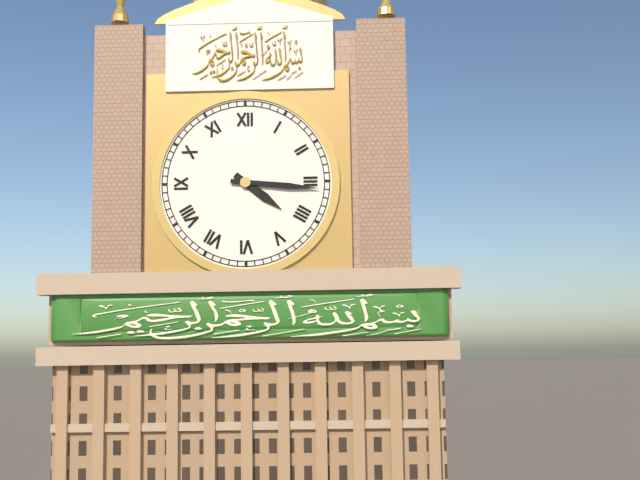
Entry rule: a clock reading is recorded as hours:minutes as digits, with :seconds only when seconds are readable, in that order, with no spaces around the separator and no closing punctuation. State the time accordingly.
4:16
